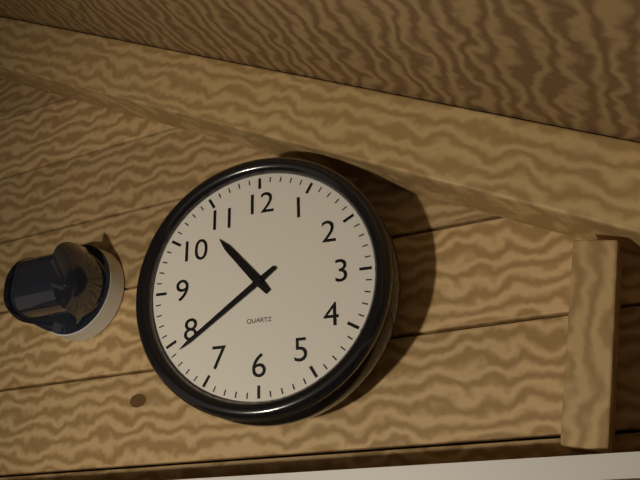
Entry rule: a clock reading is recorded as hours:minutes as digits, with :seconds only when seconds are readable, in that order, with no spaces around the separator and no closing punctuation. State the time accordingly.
10:39
